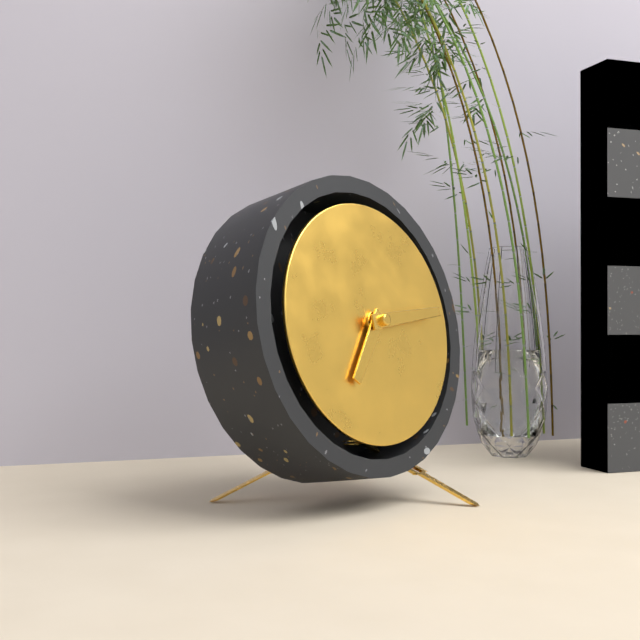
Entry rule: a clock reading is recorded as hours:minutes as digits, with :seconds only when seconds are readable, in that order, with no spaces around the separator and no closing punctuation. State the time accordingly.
7:14
